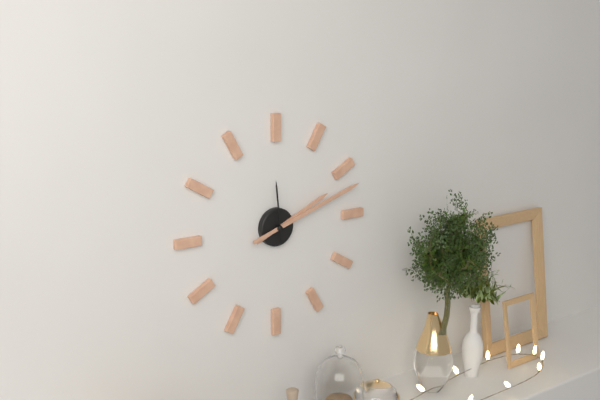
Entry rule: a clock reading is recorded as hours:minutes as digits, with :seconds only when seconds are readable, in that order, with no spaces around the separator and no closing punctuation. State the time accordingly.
2:12:59
